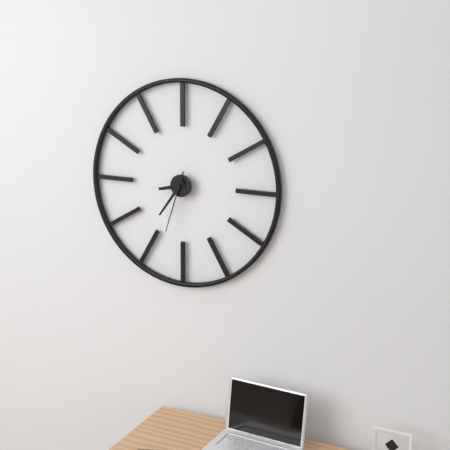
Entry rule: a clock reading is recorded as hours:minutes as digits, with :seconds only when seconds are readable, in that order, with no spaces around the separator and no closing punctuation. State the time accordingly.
8:36:33
